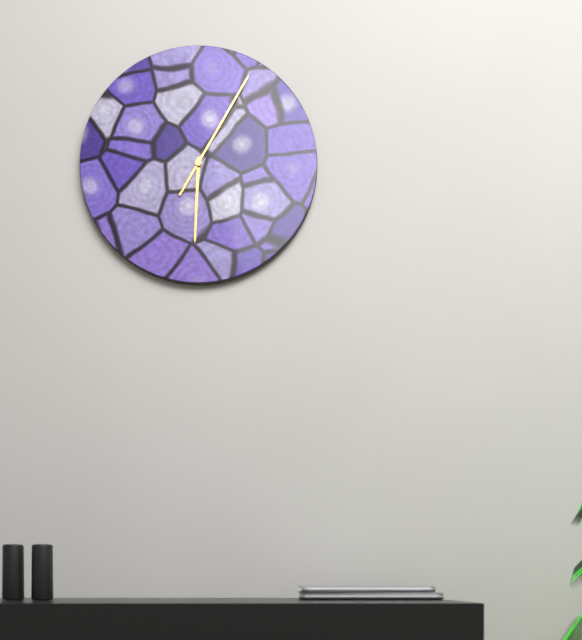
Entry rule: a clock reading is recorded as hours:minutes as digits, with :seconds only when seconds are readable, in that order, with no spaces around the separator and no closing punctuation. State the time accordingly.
6:05
